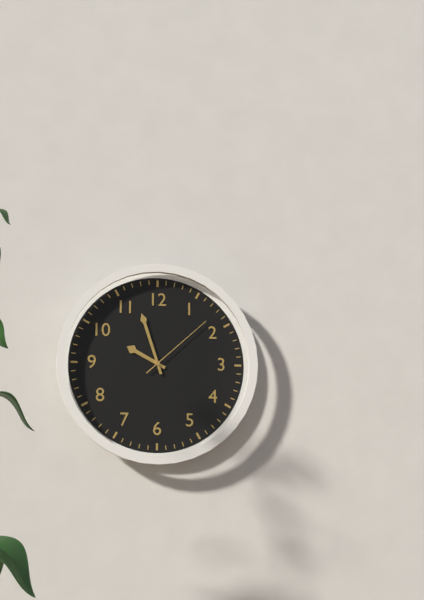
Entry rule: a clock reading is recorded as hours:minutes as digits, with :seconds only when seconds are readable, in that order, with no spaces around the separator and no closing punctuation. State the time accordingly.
9:57:08
